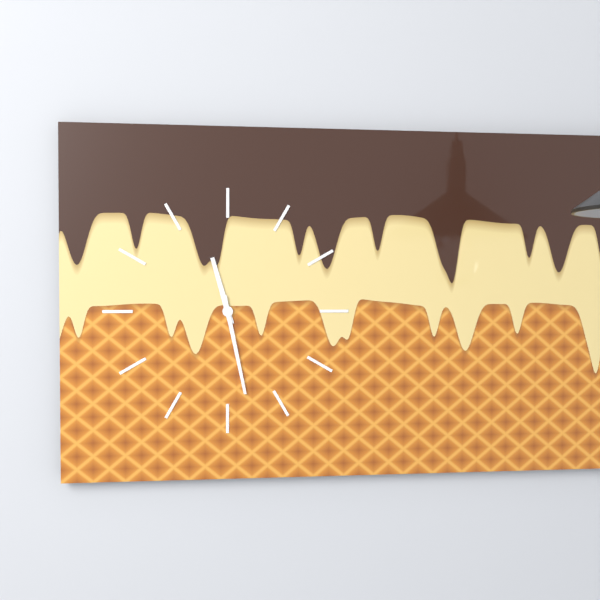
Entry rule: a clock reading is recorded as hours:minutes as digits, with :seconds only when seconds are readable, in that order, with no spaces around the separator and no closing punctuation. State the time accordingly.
11:28
